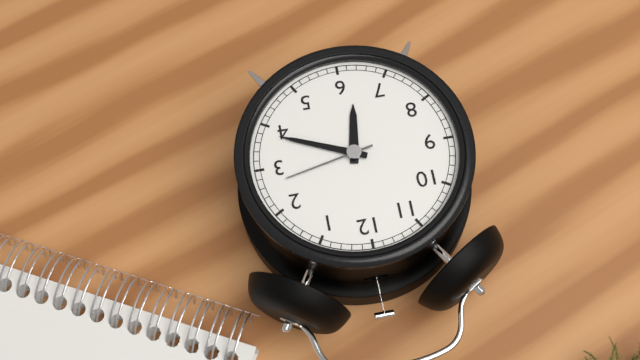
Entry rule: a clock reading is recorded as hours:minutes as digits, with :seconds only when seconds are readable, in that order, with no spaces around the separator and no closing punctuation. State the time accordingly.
6:19:13
